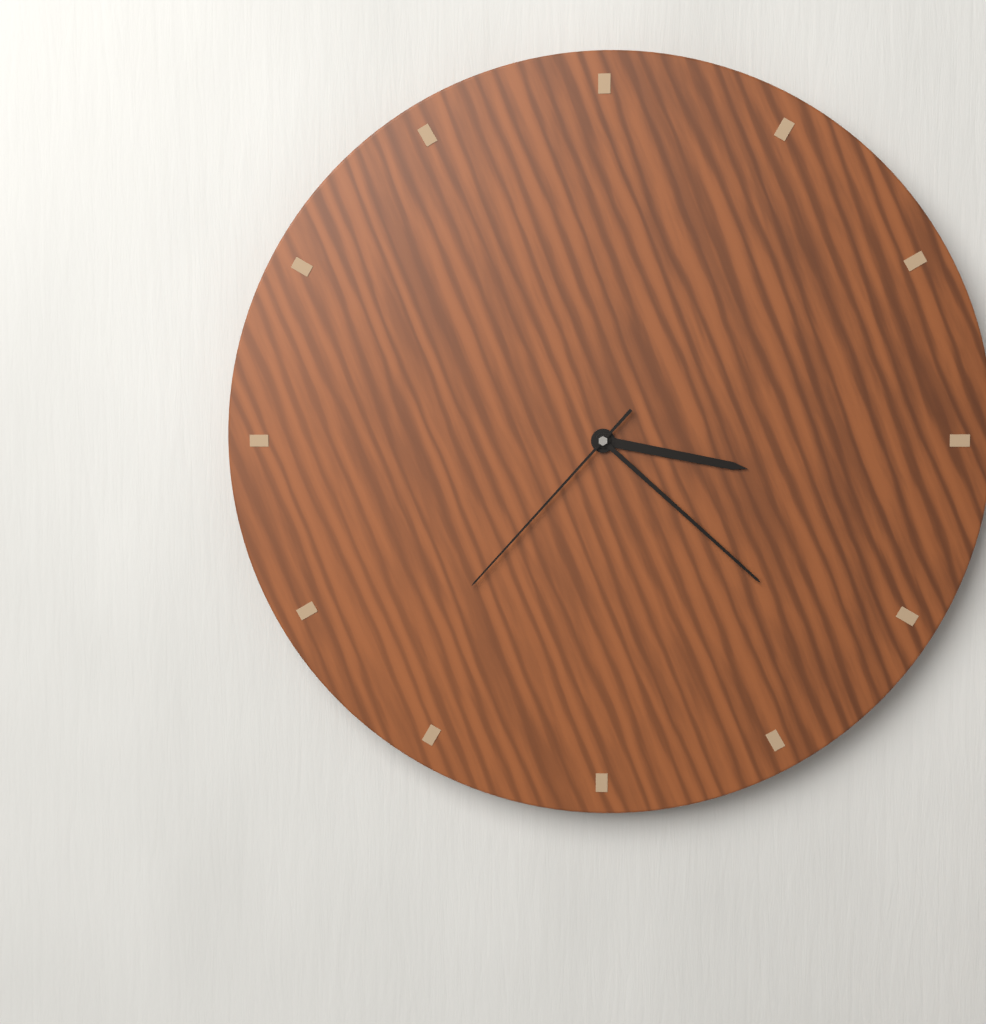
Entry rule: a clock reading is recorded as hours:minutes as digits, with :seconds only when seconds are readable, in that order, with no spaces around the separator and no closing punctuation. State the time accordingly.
3:22:37
